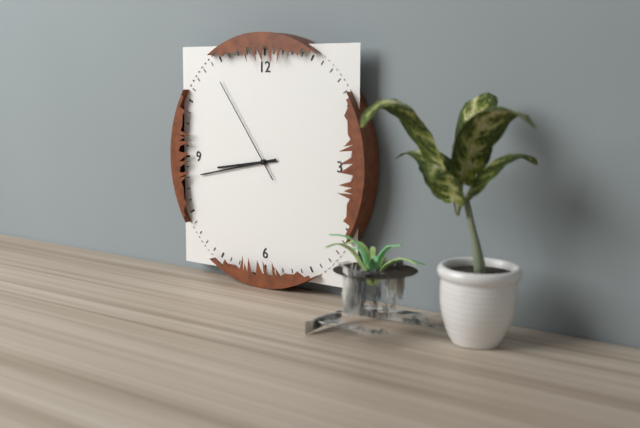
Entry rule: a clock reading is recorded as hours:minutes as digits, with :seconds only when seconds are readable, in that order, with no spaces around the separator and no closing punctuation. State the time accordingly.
8:43:54
